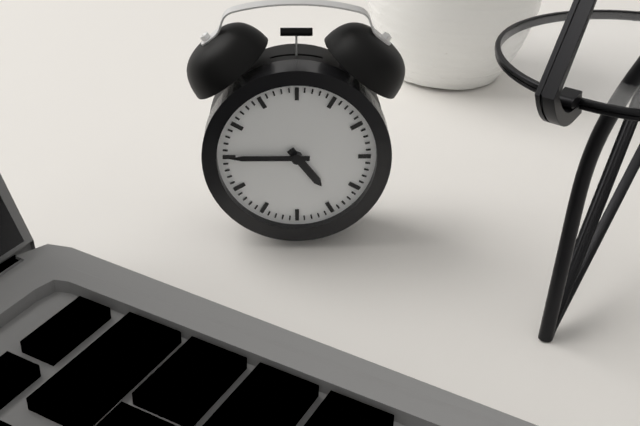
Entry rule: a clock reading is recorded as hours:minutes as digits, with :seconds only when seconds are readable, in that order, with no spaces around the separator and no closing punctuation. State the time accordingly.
4:45
